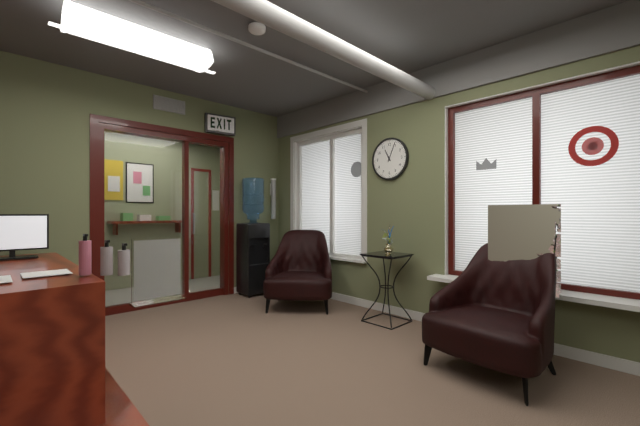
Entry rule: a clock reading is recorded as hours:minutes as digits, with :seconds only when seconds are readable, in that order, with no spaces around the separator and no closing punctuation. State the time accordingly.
11:04
